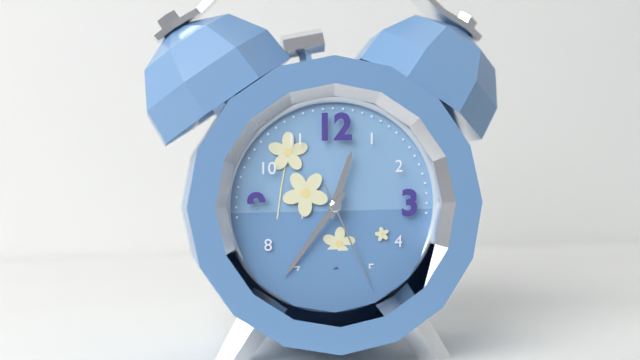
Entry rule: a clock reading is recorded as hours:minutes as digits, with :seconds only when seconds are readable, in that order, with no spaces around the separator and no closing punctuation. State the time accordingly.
12:36:26
